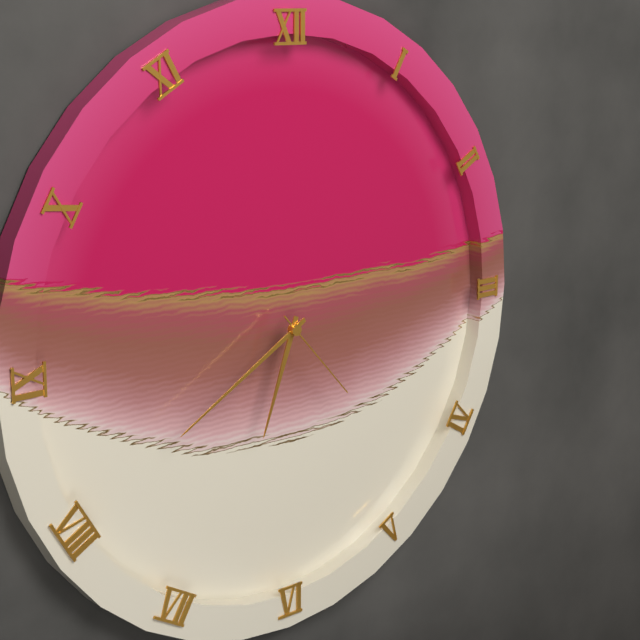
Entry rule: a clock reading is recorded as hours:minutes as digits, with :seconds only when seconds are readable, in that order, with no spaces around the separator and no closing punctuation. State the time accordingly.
6:40:23
